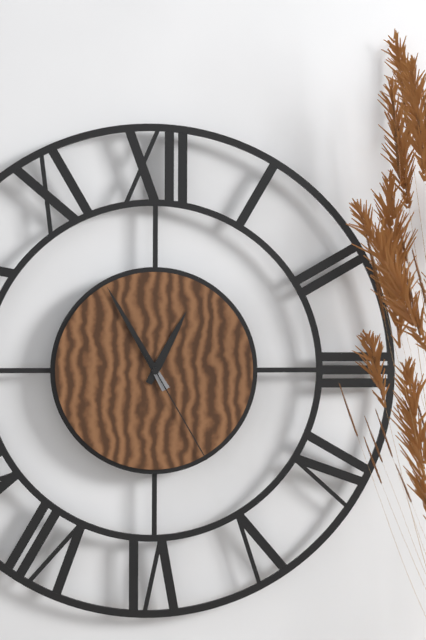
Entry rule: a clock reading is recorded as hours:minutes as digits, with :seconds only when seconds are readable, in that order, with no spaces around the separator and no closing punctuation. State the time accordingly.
12:55:25
